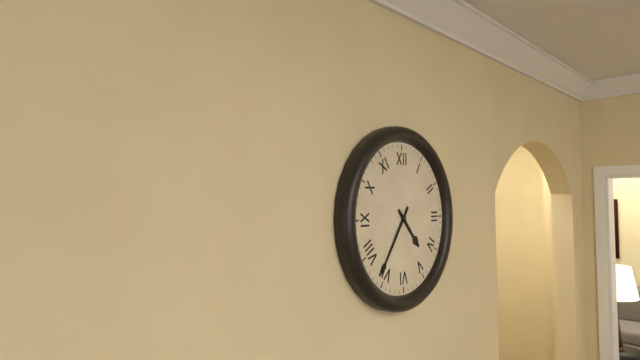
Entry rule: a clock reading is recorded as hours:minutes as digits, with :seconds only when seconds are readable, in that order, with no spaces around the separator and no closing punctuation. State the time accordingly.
4:36
